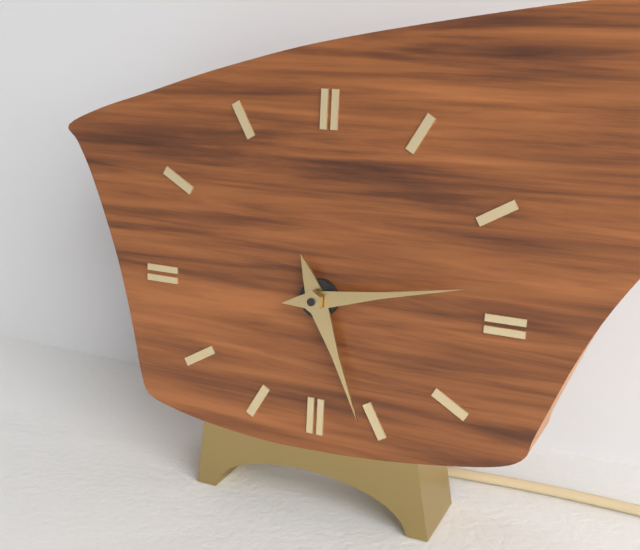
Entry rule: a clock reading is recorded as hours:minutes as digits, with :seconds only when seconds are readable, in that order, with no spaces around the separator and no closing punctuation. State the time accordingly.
5:13
